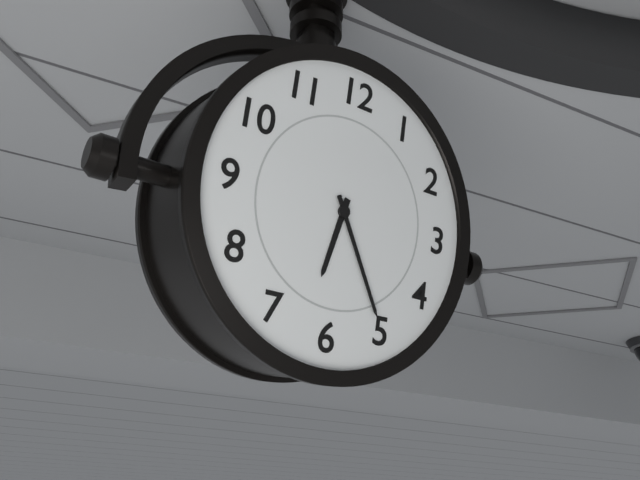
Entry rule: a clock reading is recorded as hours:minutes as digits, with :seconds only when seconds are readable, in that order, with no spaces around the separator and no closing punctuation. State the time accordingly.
6:25
